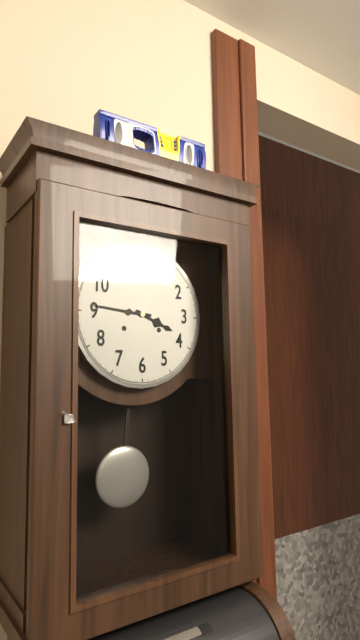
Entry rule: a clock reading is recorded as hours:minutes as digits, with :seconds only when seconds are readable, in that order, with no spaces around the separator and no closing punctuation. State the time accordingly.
3:46
